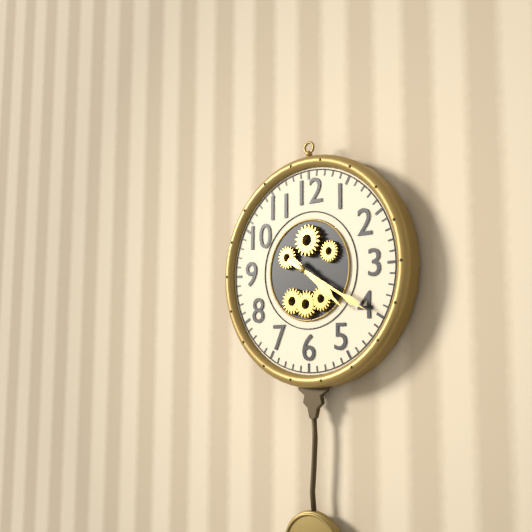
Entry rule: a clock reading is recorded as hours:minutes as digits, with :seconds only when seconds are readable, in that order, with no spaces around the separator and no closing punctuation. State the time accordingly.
4:20
